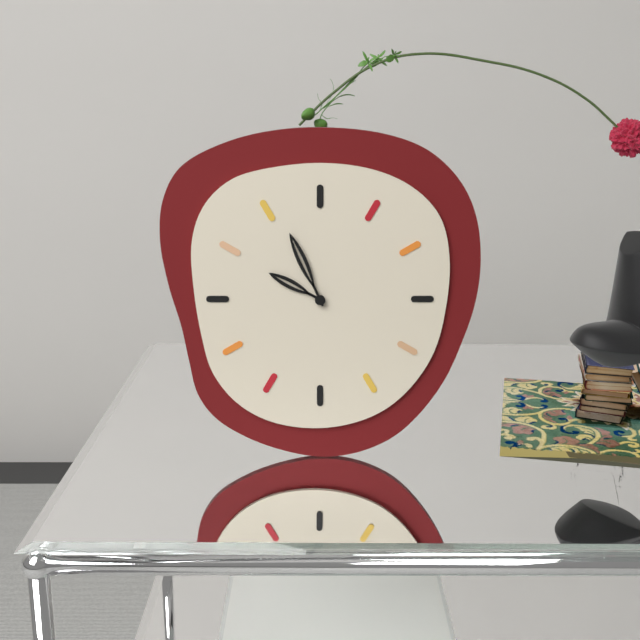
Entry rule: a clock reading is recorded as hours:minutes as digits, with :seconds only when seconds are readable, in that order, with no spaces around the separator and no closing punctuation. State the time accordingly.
9:56
